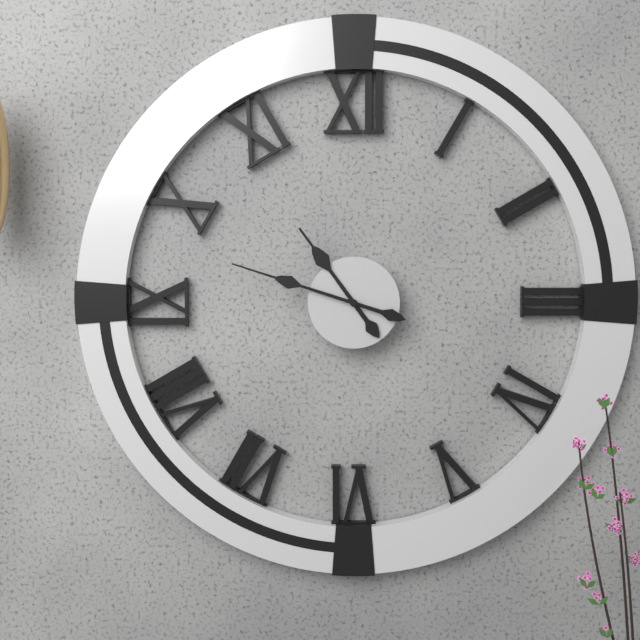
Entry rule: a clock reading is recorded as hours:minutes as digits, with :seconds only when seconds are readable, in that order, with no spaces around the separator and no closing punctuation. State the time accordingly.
10:48
